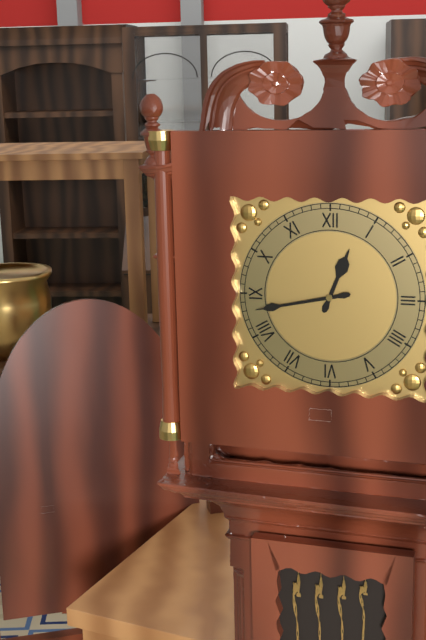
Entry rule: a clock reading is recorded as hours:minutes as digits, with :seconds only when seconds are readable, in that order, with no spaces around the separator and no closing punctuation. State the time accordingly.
12:43
